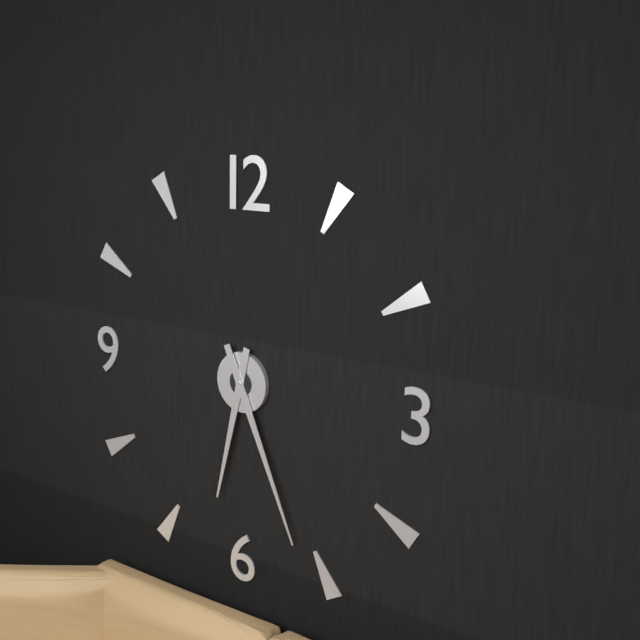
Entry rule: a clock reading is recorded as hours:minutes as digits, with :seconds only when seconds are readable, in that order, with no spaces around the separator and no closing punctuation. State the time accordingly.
6:26
